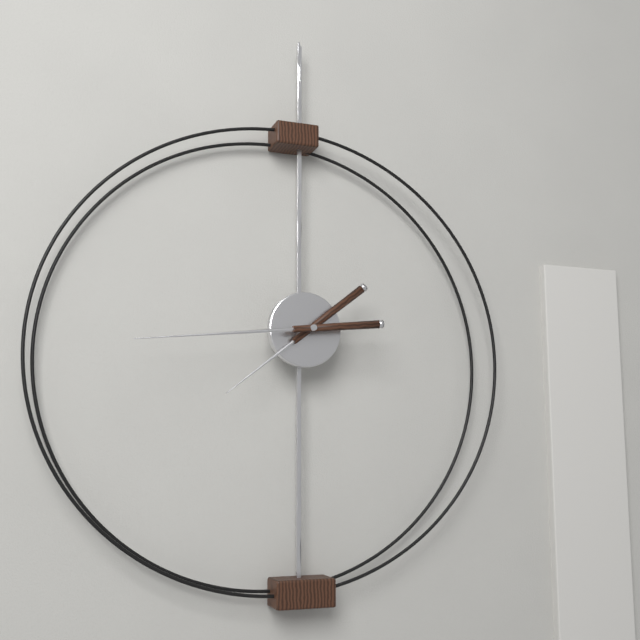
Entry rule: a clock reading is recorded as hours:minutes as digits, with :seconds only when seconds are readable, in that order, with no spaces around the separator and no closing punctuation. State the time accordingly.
7:44
